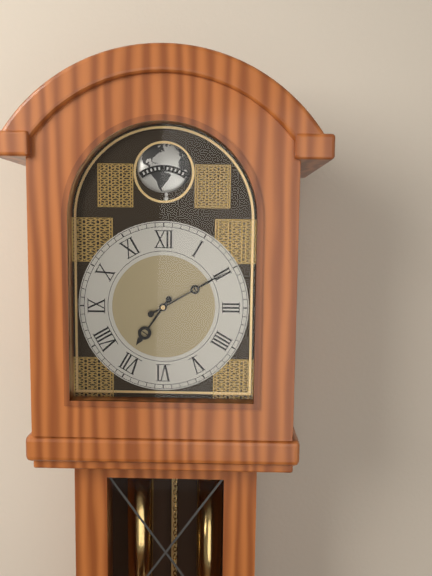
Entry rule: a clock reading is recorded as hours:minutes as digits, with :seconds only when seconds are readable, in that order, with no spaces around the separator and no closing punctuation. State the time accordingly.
7:10
